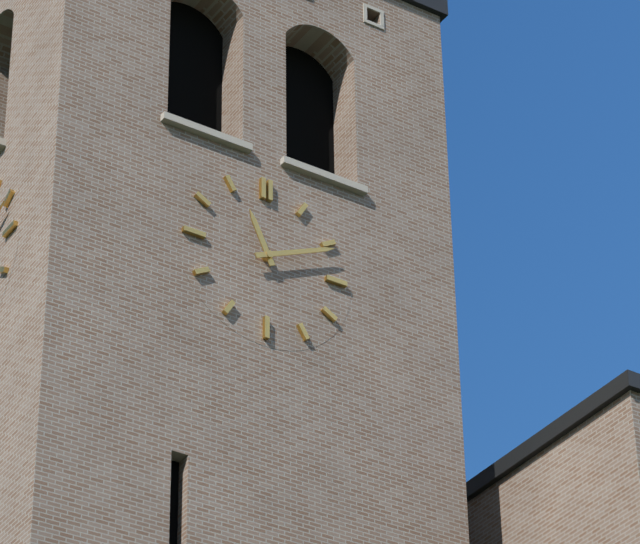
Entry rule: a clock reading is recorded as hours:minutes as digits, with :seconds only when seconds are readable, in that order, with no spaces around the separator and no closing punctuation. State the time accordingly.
11:11
